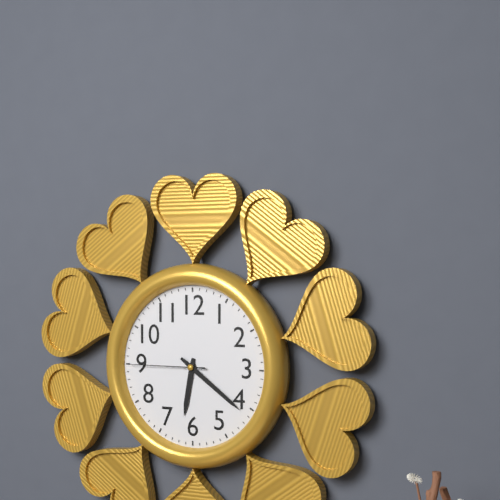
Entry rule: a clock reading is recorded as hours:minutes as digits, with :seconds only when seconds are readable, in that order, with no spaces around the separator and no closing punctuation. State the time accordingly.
6:21:45
